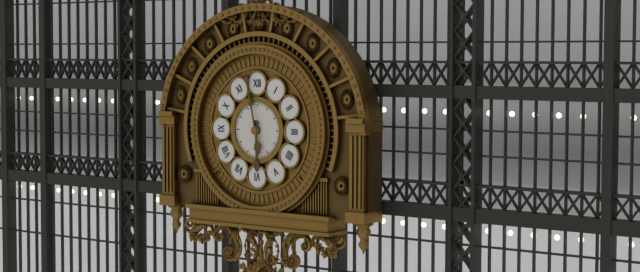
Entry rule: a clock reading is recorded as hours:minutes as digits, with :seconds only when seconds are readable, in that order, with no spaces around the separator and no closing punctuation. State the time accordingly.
5:58
